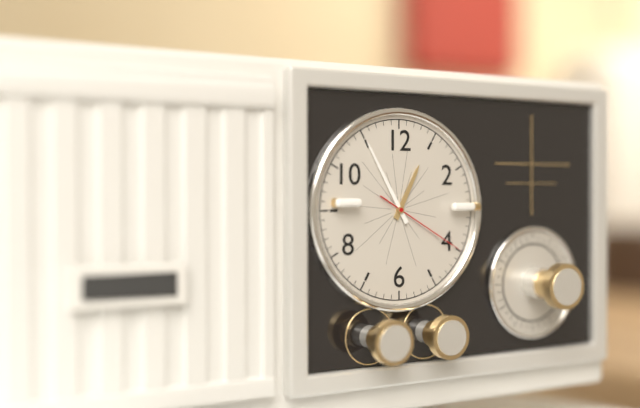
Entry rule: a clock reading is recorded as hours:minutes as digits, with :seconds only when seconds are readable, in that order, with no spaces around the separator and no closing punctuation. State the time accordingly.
12:55:20
